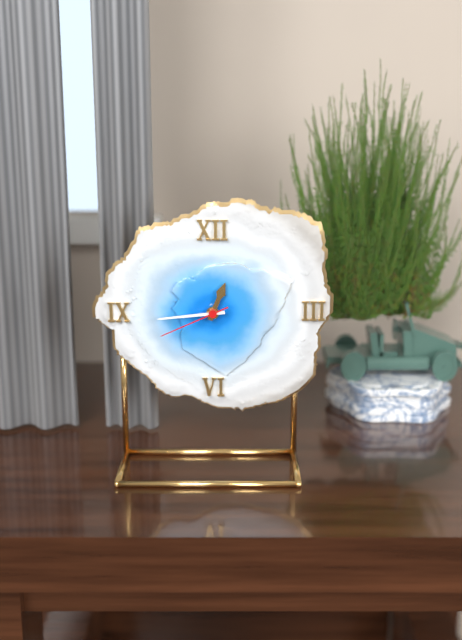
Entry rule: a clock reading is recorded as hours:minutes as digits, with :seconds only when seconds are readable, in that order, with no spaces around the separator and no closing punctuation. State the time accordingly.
12:44:41
